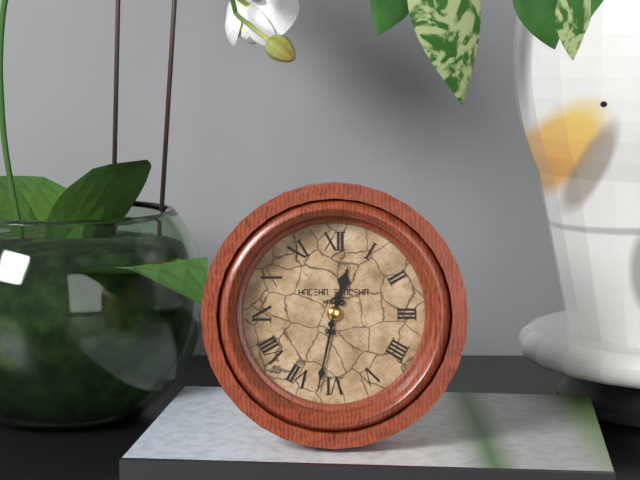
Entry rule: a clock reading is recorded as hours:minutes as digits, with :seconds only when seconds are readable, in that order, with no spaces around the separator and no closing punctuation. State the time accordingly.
12:32
